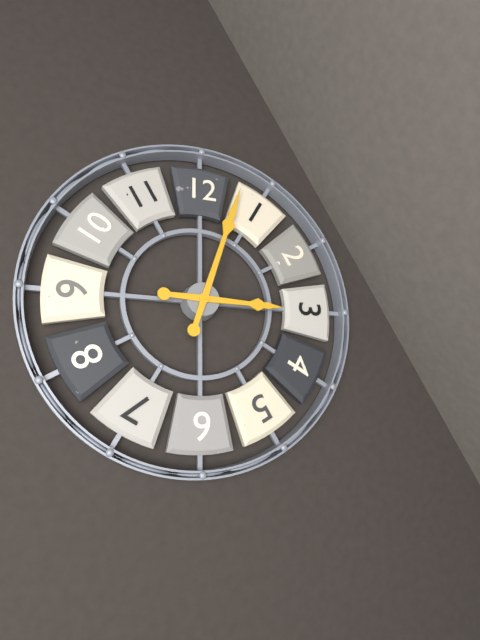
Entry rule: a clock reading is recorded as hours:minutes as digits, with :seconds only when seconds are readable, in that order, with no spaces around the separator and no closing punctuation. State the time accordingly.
3:03
